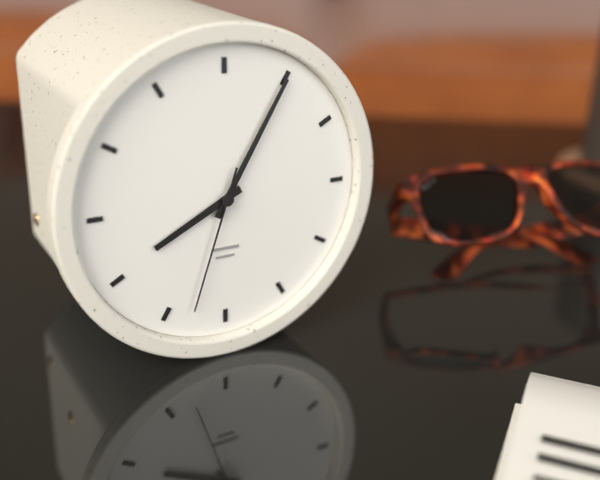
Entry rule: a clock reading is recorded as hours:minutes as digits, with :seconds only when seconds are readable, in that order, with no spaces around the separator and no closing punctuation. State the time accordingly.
8:05:33
